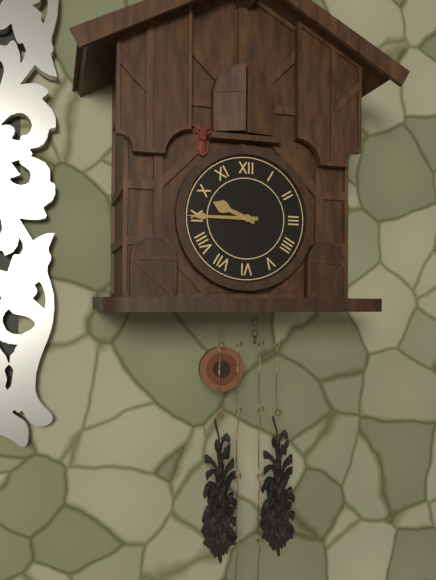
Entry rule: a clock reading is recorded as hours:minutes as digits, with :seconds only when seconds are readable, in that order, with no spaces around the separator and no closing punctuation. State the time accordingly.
9:45
